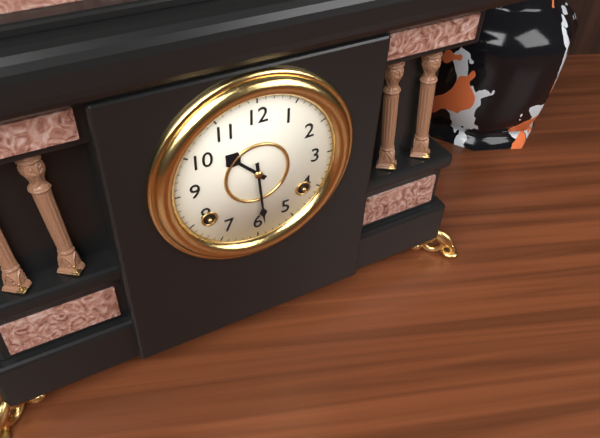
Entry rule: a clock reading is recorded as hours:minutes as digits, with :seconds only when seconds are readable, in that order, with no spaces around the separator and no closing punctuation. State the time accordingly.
10:29
